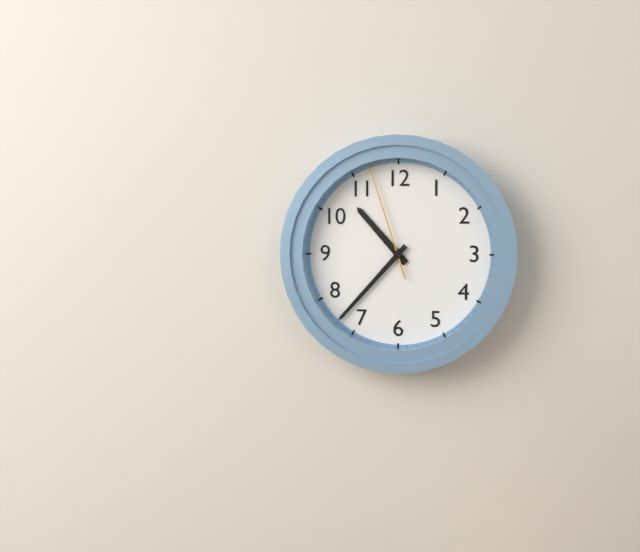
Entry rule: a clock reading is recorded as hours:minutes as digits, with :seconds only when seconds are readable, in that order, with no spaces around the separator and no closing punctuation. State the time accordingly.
10:37:57
